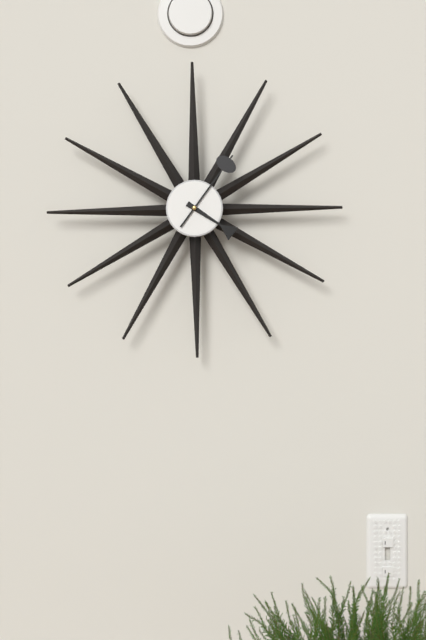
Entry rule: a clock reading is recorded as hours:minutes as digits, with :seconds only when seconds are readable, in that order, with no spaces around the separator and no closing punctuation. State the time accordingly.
4:06
